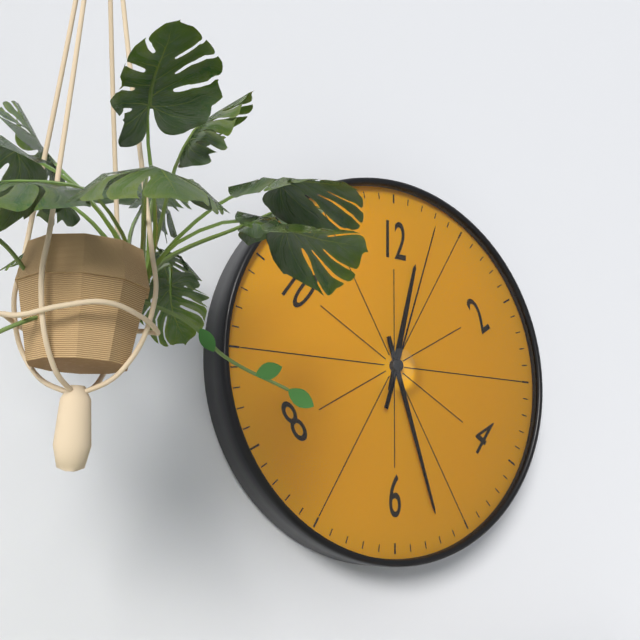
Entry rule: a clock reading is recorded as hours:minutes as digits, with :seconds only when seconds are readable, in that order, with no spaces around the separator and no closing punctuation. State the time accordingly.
12:27:03
